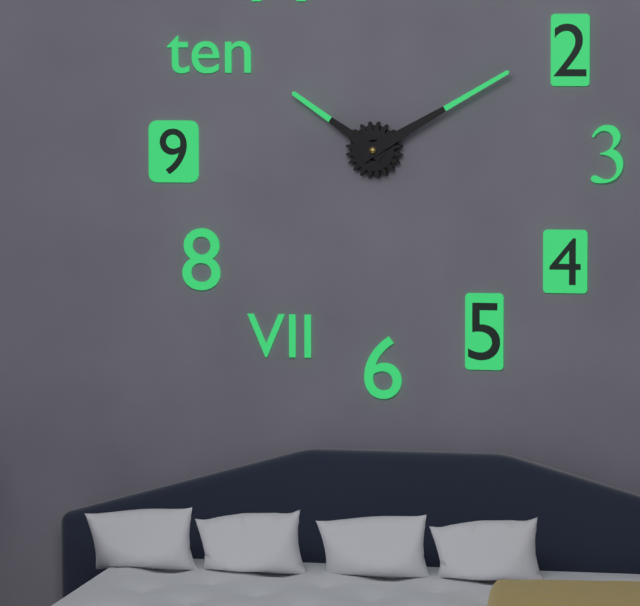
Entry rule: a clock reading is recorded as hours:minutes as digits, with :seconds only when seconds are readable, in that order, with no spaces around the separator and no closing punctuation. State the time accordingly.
10:10
